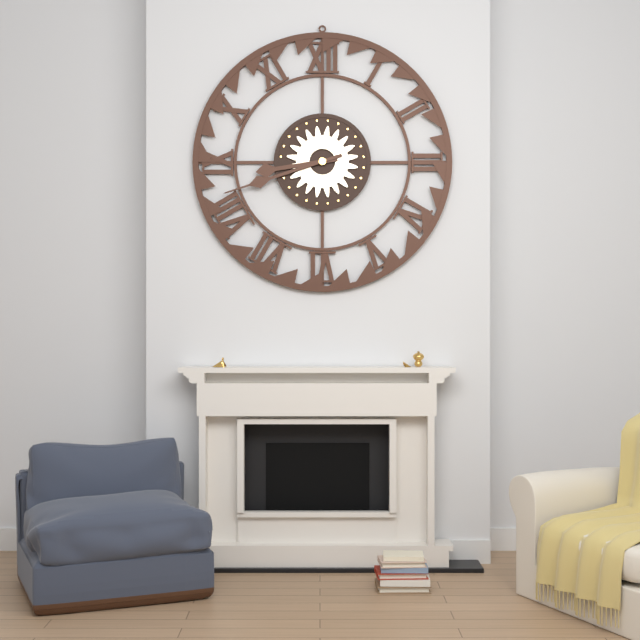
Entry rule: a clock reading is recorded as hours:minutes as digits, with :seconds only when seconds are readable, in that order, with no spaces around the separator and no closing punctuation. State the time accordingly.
8:42
